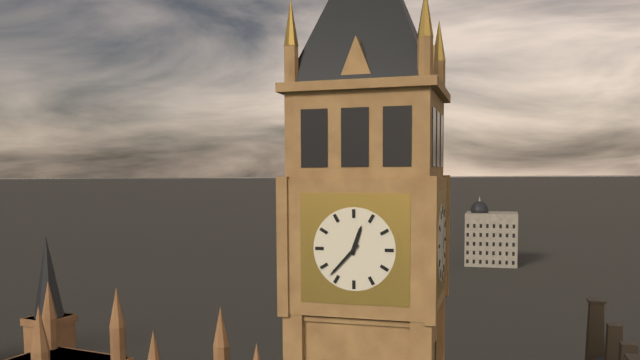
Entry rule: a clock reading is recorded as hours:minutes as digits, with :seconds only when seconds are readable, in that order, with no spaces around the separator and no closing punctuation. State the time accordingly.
12:37
